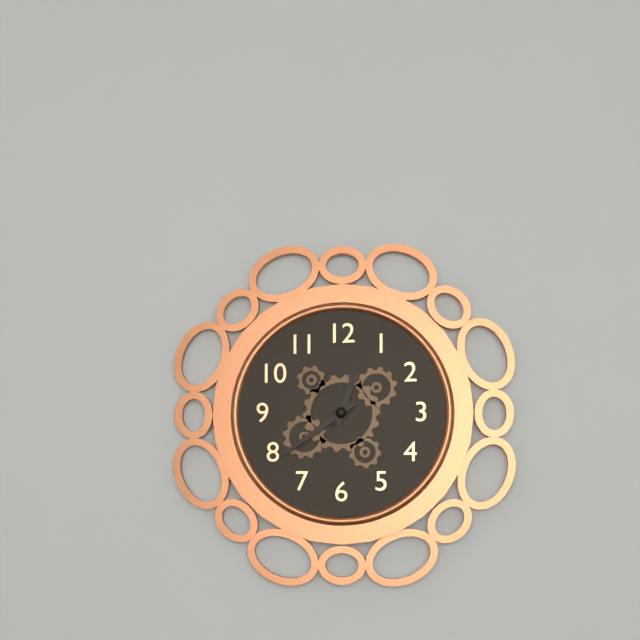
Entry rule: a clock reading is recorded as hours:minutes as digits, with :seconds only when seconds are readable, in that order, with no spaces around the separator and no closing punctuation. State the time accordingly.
12:39
